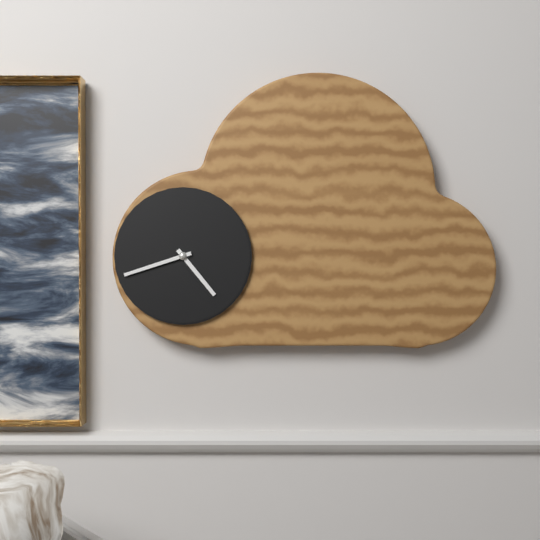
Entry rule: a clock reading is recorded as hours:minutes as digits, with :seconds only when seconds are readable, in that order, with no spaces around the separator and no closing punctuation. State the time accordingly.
4:42
